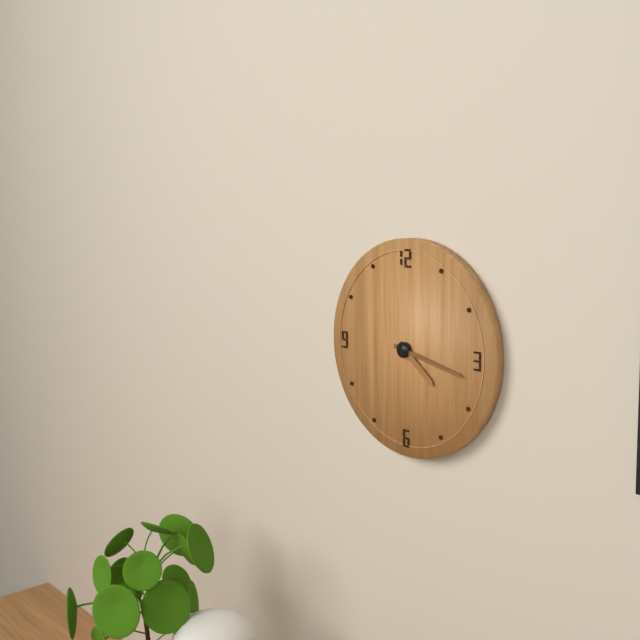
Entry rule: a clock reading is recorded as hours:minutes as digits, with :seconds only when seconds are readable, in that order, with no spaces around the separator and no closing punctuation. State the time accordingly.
4:17
